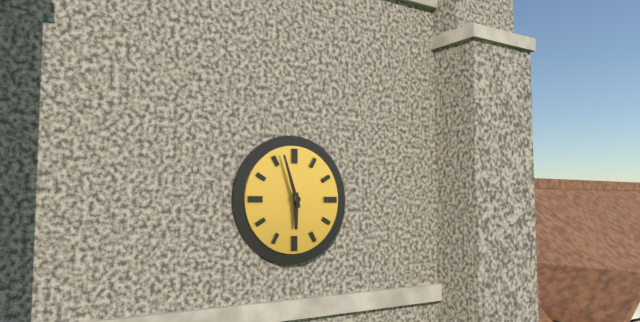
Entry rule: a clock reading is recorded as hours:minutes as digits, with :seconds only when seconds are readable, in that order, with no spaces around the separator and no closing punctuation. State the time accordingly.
5:57
